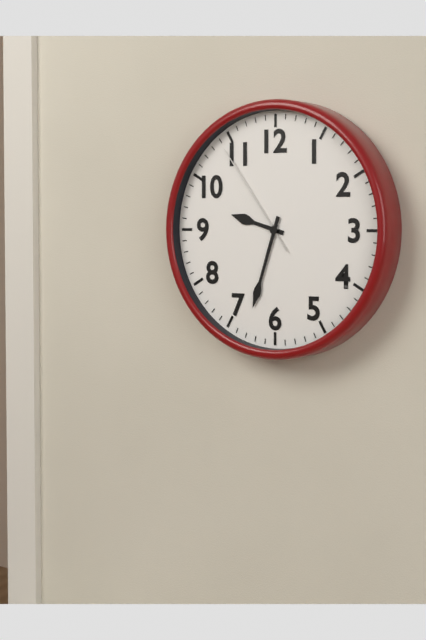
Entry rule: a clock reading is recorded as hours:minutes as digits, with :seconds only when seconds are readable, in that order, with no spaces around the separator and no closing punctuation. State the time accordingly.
9:33:54
